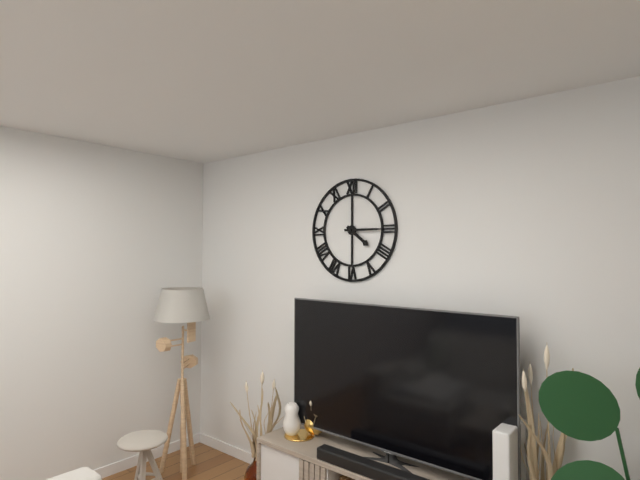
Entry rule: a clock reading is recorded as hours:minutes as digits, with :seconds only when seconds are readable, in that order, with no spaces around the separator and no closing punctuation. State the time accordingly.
4:15
